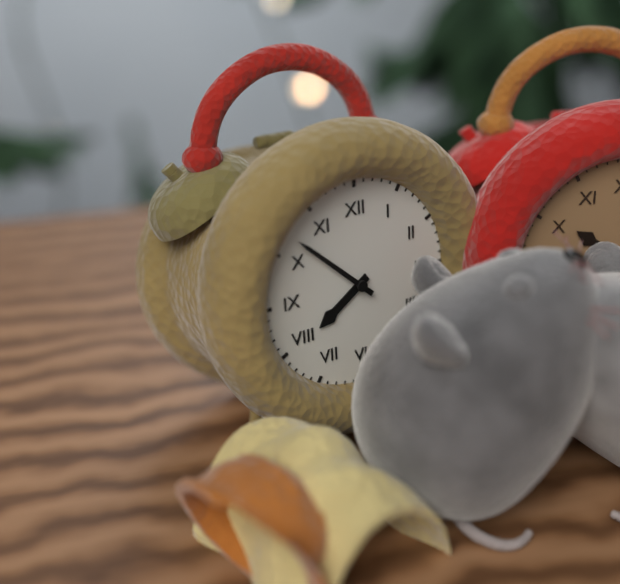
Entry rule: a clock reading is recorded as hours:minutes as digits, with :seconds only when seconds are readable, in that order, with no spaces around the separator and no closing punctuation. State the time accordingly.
7:52
